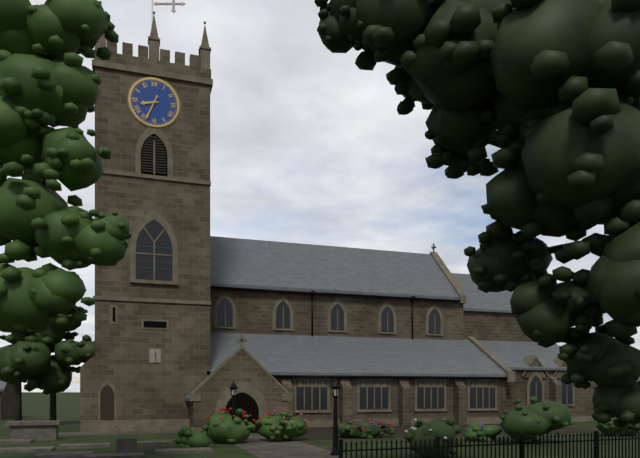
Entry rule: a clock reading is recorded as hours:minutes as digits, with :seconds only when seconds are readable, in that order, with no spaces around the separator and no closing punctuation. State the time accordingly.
8:34
